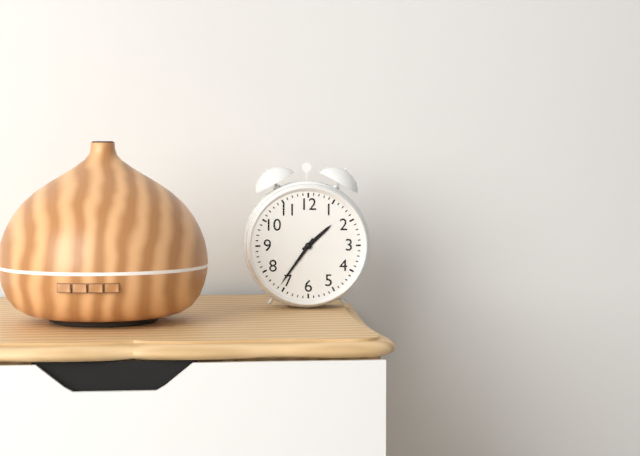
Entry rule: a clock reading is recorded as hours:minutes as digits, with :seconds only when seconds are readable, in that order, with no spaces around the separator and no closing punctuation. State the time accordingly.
1:36
